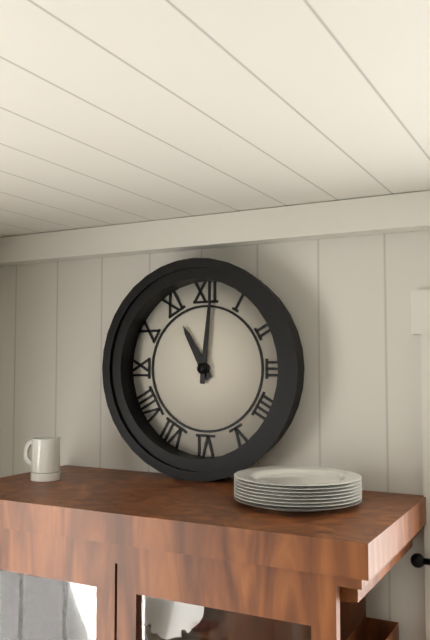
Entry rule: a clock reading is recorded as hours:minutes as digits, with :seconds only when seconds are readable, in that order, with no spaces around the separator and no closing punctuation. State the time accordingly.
11:01
